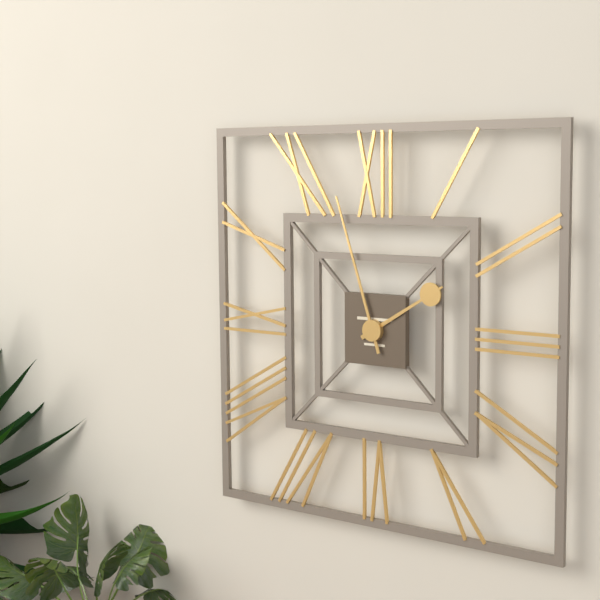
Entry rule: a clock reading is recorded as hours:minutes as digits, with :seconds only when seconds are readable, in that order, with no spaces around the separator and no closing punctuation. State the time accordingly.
1:57
